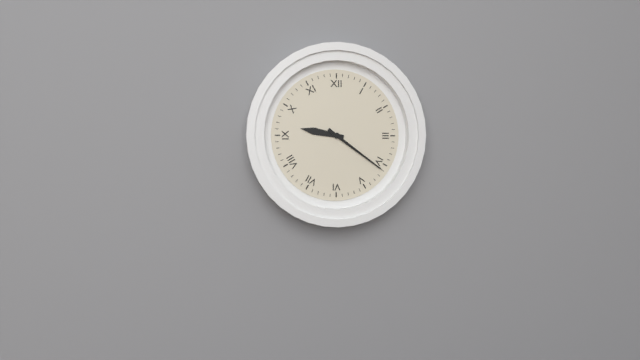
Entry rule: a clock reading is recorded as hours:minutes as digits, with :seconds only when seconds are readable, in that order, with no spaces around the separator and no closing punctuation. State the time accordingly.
9:21
